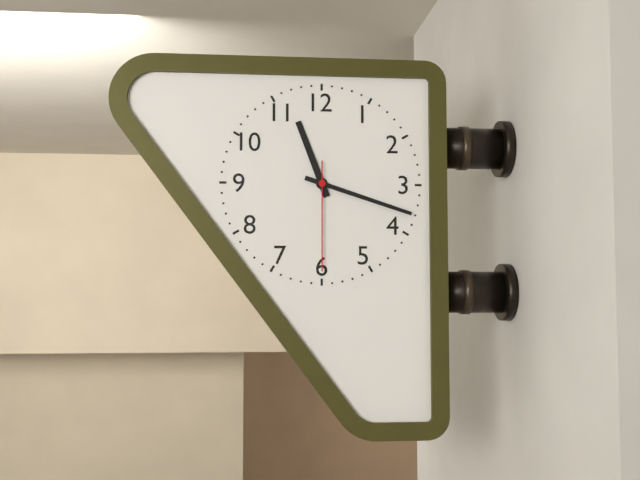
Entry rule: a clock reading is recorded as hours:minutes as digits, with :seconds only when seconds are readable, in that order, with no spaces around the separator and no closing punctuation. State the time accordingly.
11:18:30
